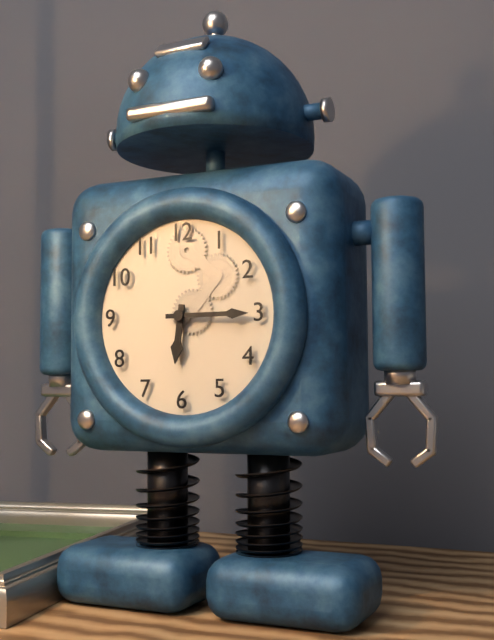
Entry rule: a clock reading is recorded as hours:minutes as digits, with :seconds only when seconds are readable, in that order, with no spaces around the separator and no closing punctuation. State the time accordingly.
6:15
